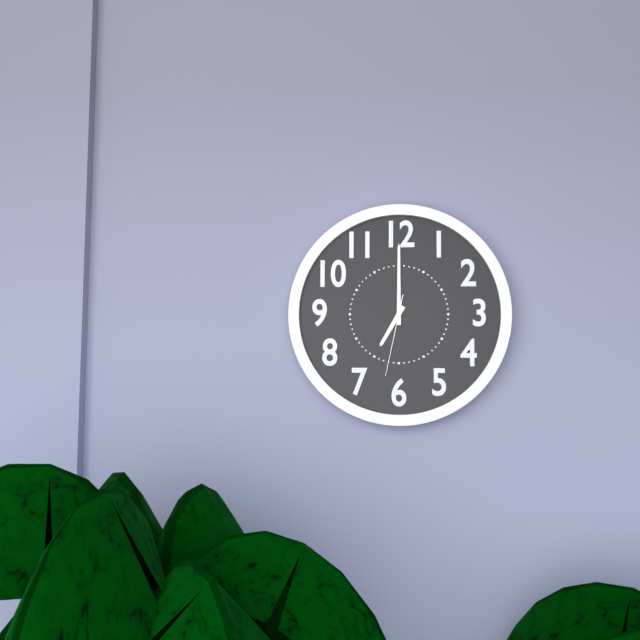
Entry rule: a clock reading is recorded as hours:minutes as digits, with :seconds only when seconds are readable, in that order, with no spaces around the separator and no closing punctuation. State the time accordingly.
7:00:32
